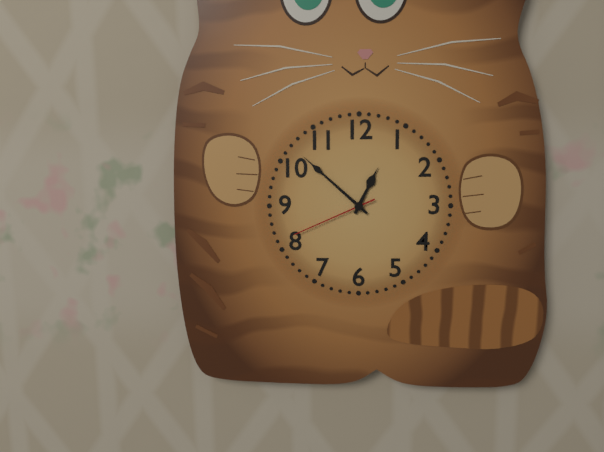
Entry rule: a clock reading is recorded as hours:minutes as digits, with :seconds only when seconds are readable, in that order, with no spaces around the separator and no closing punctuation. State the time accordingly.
12:52:41
